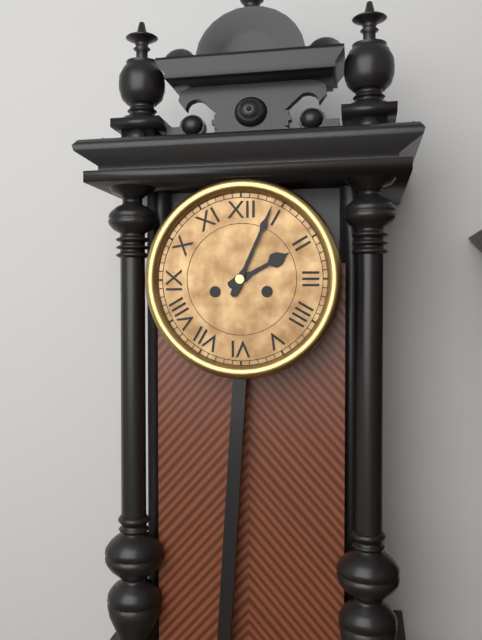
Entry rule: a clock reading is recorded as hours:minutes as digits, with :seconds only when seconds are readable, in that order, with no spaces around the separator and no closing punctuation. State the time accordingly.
2:04
